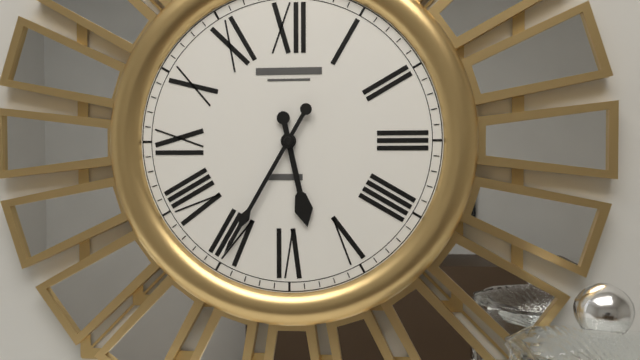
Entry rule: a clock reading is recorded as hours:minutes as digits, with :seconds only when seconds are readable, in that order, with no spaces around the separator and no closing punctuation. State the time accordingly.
5:35
